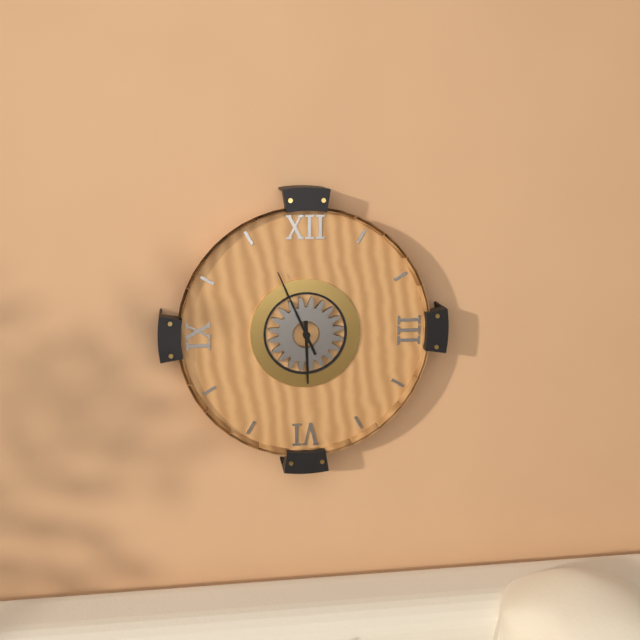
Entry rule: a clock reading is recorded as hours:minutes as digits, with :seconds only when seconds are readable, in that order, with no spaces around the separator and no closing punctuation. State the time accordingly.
5:56
